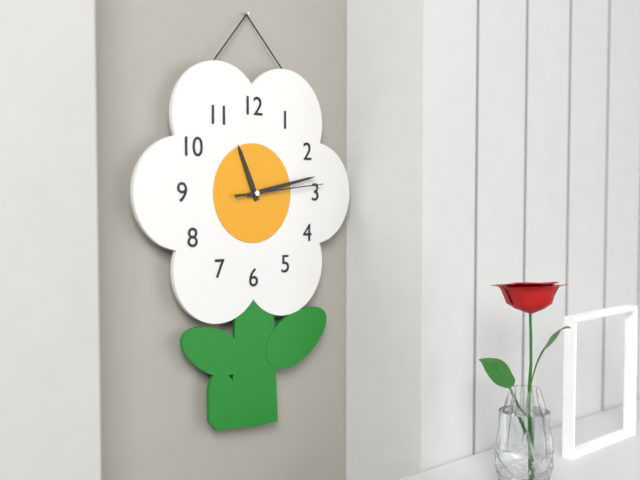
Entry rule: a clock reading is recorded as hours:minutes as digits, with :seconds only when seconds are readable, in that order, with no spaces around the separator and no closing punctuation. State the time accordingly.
11:13:14
